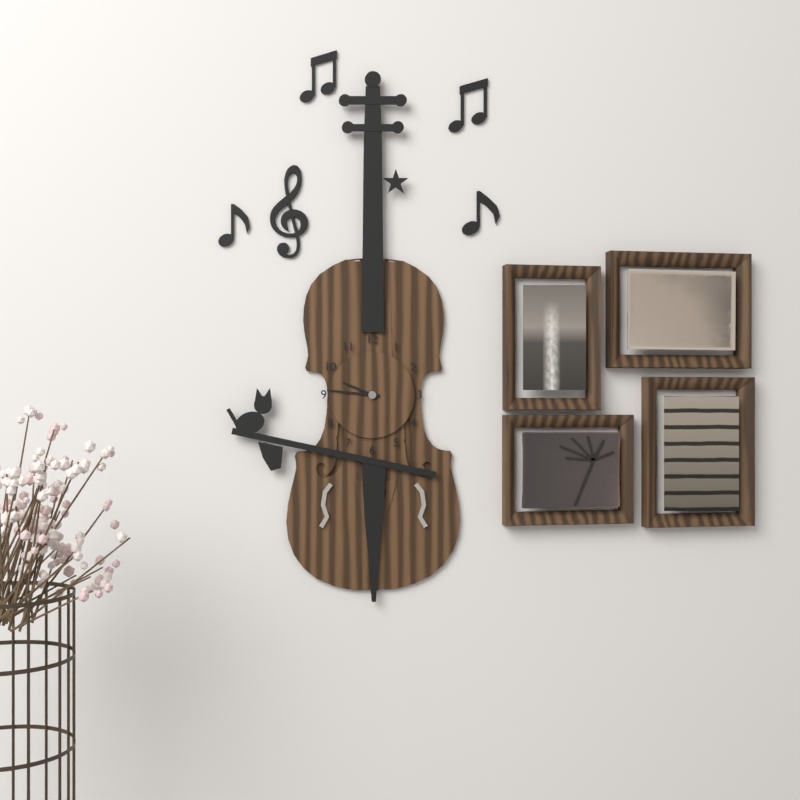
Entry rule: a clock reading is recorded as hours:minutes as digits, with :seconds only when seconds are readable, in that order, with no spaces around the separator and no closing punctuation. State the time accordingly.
9:46
